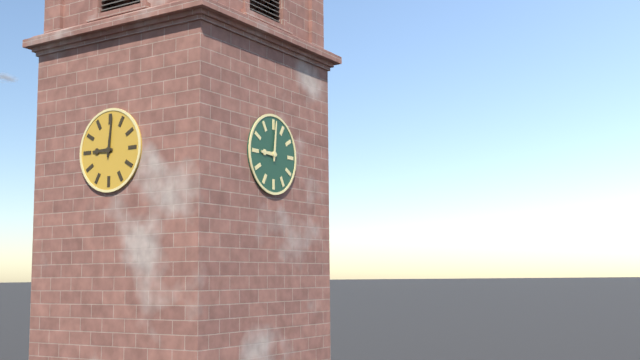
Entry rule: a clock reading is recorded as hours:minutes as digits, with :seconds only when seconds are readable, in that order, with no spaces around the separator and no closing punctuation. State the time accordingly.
9:01
